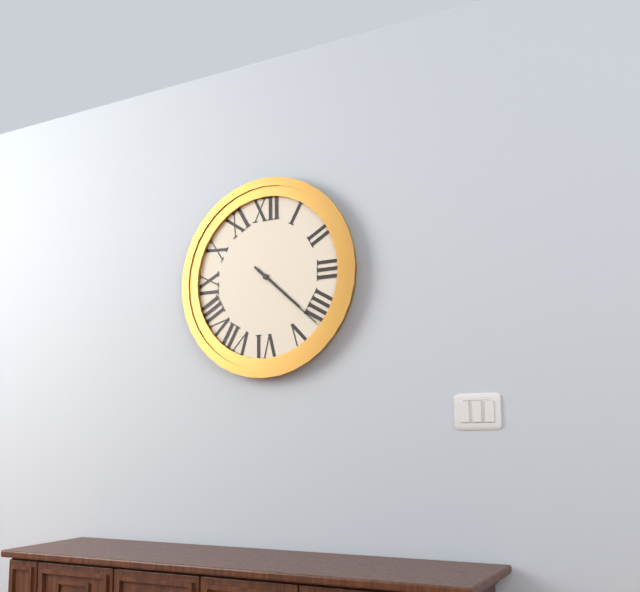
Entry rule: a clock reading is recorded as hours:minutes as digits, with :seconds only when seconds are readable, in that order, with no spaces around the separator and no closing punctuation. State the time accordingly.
4:22
